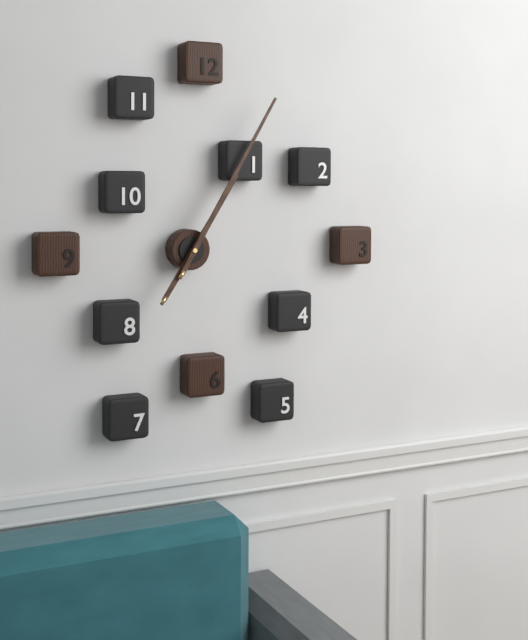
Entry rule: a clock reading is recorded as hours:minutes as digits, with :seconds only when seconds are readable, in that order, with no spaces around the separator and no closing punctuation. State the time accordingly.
1:05
